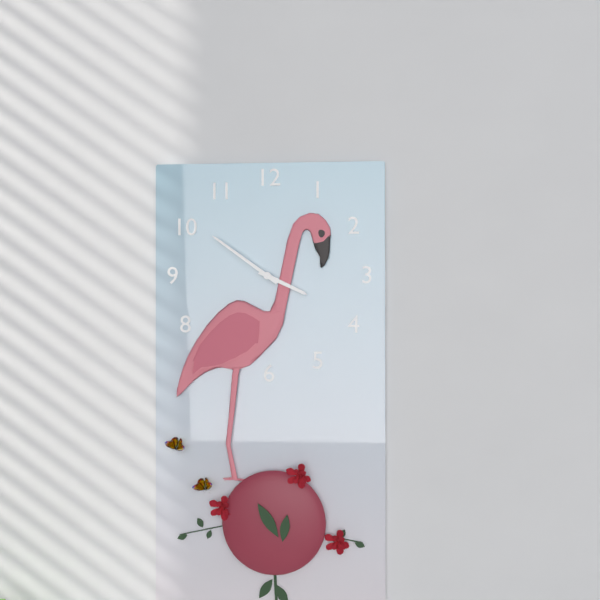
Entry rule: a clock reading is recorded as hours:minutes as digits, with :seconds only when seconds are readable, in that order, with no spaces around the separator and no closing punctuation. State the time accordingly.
3:51
